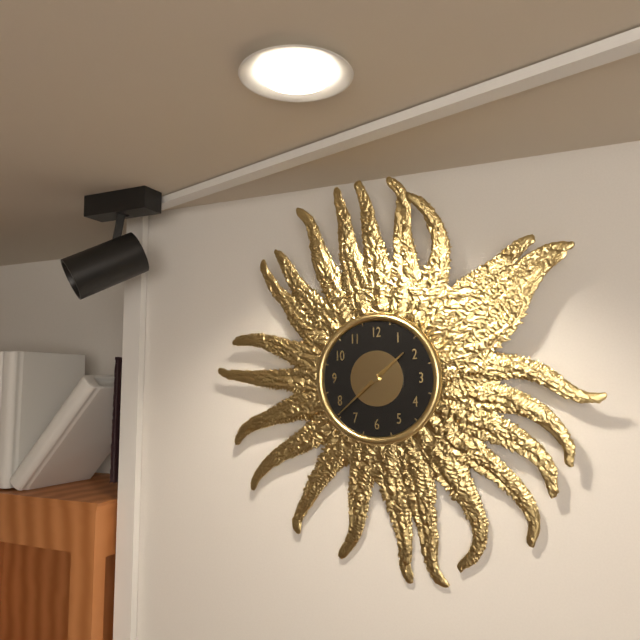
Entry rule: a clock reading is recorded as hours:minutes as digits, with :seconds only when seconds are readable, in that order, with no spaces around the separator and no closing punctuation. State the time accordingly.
1:38
